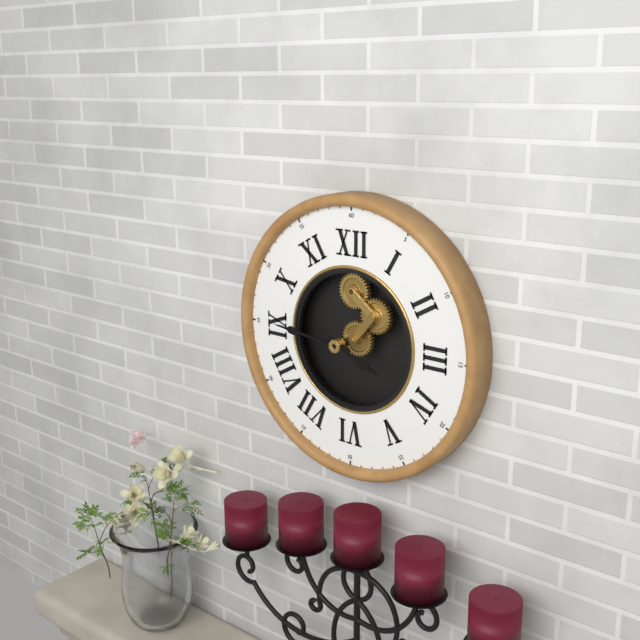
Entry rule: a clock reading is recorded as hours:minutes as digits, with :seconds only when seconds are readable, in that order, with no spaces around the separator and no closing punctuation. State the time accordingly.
3:46
